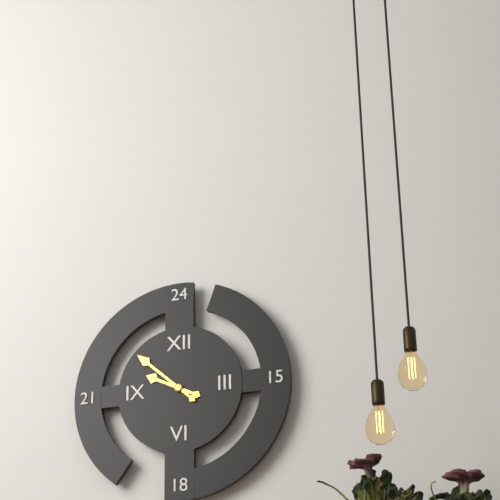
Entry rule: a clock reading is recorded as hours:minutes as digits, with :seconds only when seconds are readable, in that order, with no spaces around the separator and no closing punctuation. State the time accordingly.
9:52
